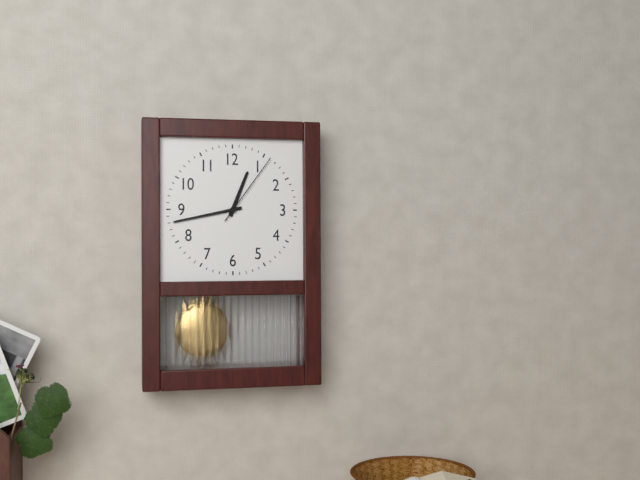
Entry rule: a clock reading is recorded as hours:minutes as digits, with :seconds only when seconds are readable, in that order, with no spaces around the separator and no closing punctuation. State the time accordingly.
12:43:06
